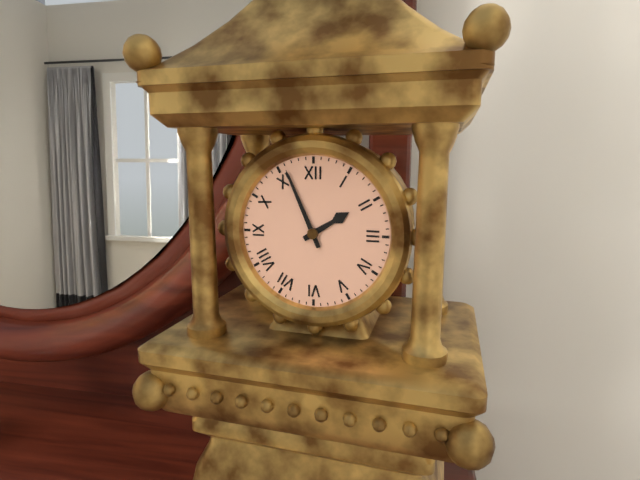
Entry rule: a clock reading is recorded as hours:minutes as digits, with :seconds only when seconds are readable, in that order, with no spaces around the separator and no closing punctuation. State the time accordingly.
1:56
